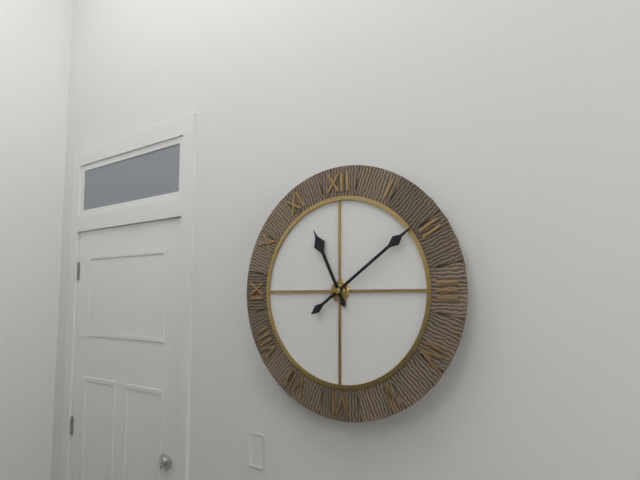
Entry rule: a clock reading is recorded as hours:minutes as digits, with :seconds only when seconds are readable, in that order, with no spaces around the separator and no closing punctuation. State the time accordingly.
11:09
